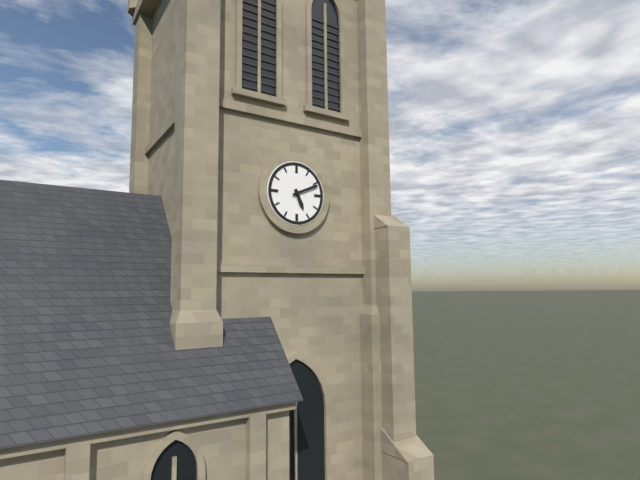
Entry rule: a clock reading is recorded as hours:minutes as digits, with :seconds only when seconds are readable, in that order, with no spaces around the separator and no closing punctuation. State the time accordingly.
5:11
